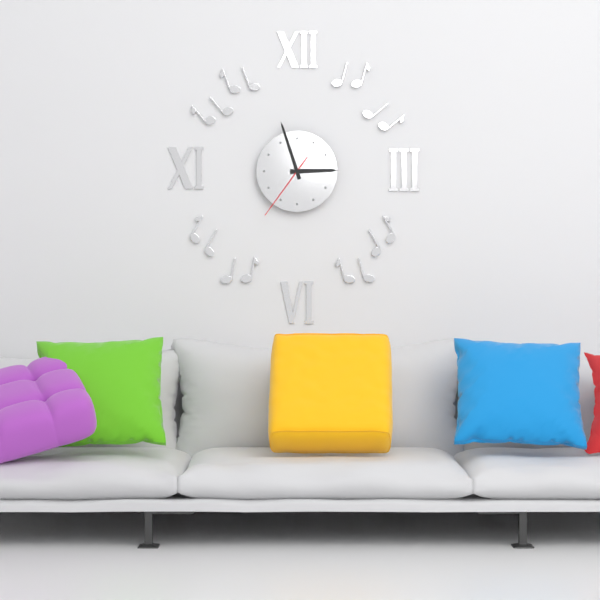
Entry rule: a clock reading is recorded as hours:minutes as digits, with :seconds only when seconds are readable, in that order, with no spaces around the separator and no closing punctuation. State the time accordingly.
2:57:36
